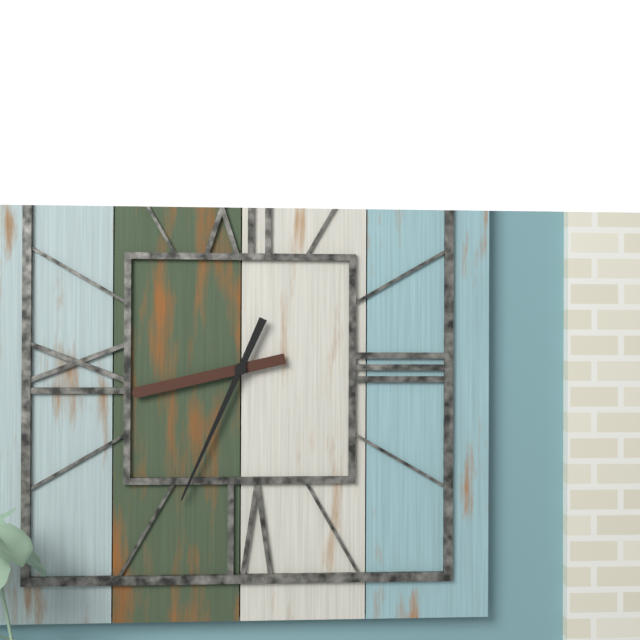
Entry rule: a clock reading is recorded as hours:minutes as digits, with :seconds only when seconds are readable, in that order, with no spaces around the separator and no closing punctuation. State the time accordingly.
8:34
